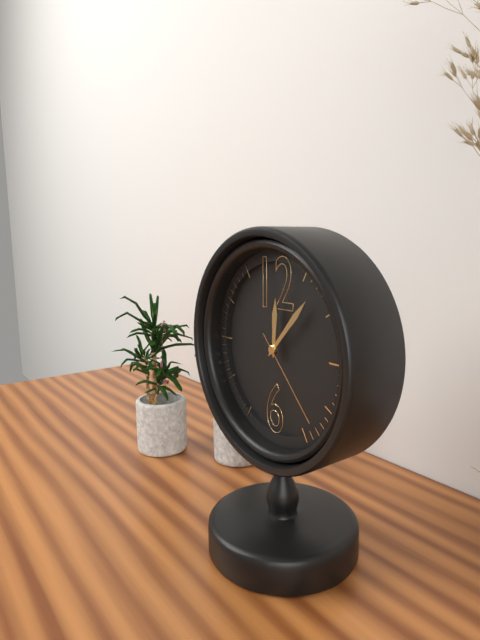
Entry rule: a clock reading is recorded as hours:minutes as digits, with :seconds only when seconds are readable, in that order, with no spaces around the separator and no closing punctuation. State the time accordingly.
12:07:23
